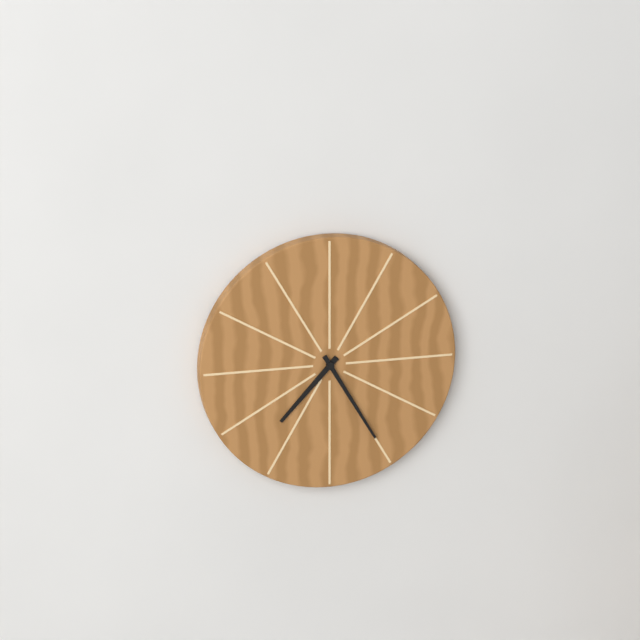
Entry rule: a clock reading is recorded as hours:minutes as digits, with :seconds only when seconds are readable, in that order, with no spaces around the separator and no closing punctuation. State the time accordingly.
7:25
